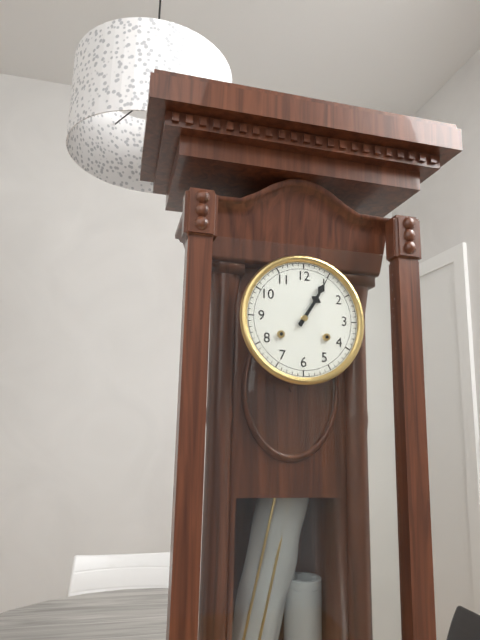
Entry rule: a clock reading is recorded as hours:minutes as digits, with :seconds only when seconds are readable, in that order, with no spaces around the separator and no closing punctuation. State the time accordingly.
1:05
